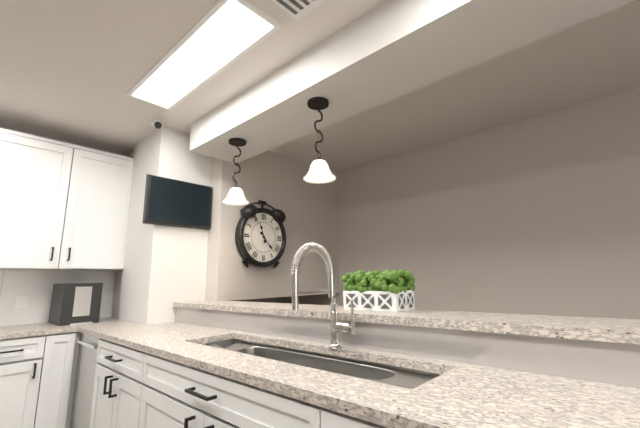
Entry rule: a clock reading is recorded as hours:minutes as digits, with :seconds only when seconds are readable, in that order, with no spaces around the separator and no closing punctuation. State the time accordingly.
11:23
